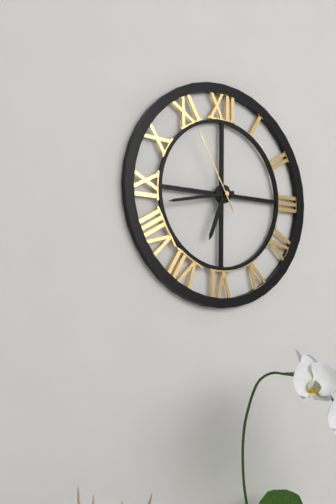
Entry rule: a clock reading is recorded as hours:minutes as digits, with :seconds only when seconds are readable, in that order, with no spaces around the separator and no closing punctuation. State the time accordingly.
6:43:55
